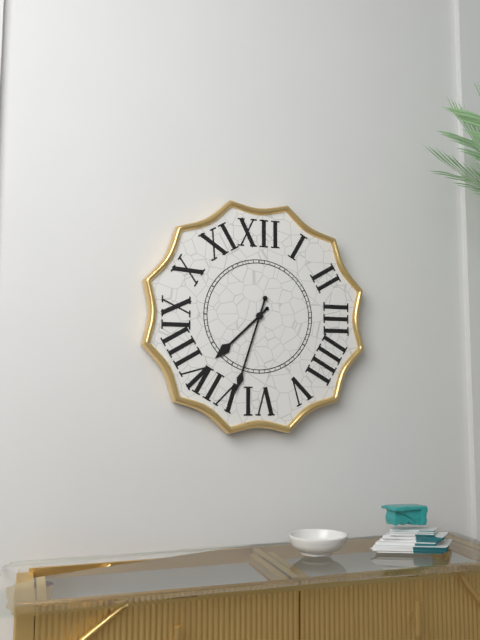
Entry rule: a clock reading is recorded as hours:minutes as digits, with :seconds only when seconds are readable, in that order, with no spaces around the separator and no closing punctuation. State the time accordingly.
7:33
